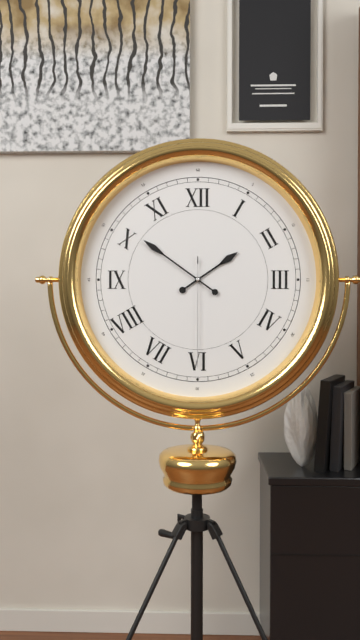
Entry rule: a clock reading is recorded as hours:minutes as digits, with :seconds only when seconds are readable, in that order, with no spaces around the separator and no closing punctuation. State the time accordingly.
1:51:30
